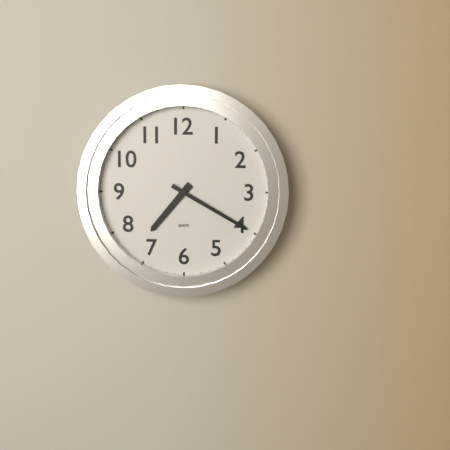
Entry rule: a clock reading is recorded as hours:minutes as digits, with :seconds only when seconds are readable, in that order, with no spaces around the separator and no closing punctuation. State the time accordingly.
7:20
